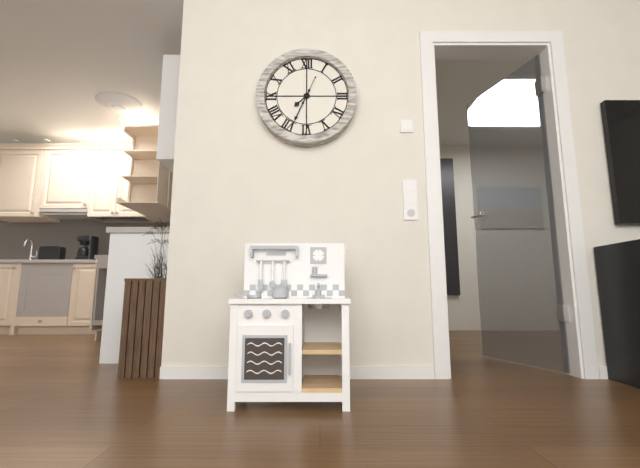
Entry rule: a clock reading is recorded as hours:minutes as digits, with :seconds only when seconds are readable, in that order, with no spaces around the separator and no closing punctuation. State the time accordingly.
7:34
